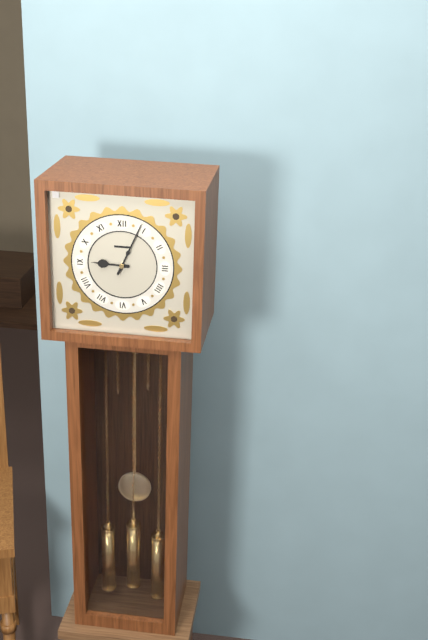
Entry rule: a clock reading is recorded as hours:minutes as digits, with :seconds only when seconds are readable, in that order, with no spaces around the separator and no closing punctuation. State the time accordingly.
9:04
